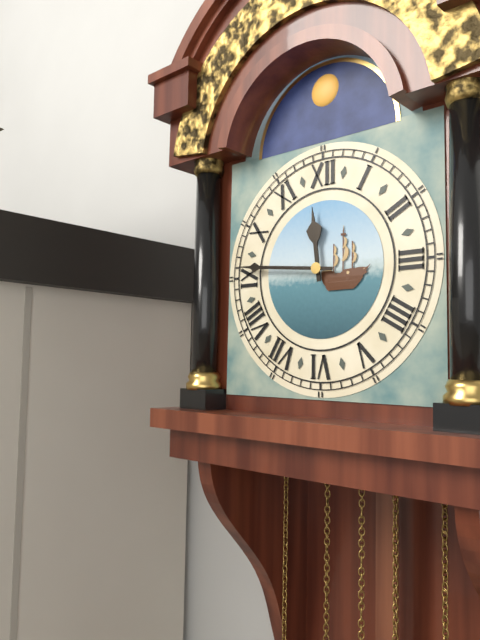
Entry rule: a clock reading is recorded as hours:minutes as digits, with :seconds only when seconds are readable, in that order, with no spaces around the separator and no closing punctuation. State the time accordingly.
11:46
